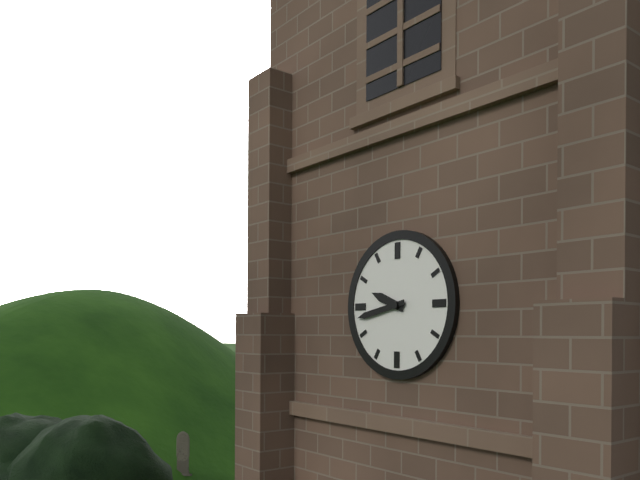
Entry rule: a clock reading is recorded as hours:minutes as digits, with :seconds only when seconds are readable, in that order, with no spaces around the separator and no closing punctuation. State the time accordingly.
9:43
